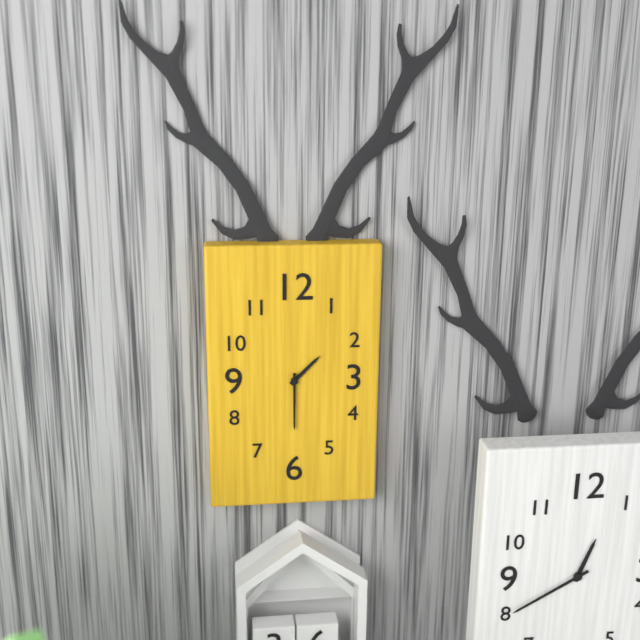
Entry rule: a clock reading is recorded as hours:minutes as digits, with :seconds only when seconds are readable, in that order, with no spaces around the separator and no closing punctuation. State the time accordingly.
1:30
